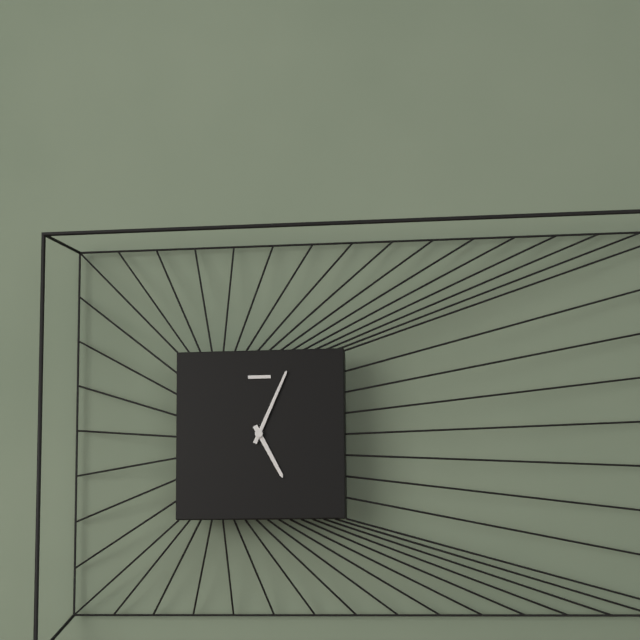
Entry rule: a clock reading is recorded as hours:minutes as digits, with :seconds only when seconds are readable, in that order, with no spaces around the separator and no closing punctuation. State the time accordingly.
5:04
